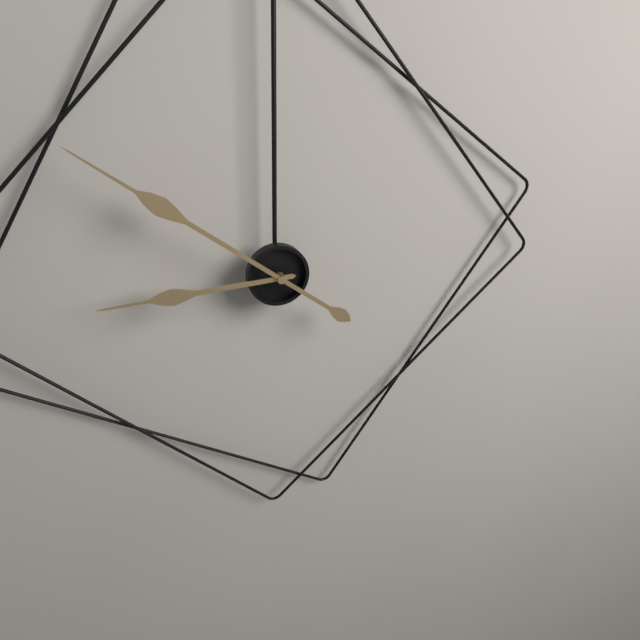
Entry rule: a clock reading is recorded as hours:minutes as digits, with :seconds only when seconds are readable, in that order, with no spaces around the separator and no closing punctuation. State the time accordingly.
8:51
